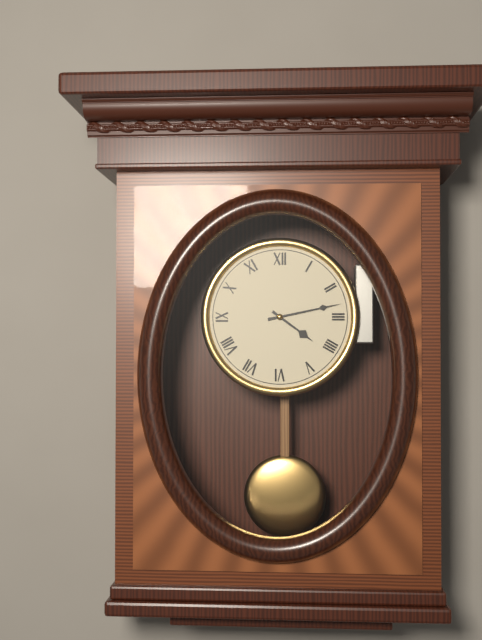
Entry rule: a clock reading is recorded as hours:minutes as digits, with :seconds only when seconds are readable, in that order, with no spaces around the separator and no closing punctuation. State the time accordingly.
4:13
